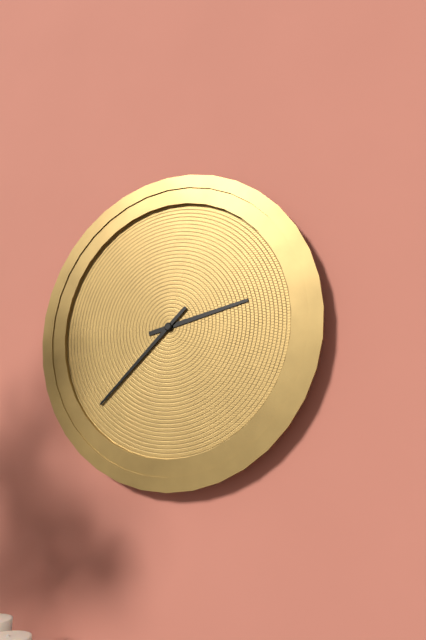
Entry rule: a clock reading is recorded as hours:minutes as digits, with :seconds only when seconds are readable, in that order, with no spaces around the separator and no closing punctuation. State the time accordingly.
2:38
